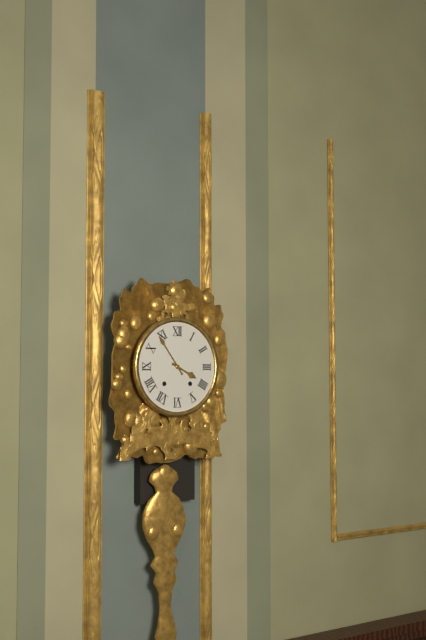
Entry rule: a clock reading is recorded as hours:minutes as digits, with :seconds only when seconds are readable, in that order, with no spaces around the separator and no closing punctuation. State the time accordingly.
3:54
